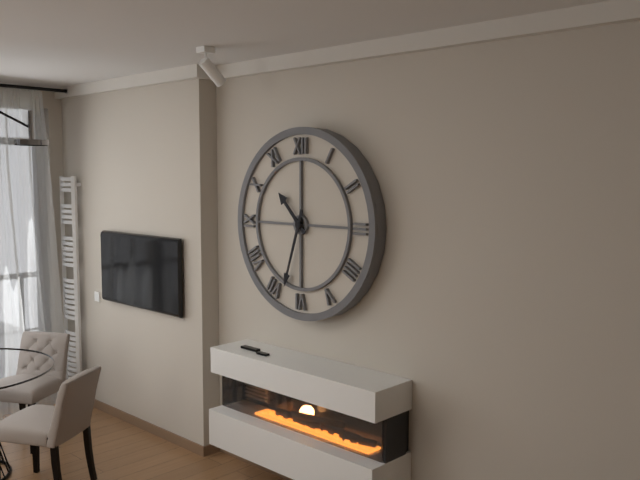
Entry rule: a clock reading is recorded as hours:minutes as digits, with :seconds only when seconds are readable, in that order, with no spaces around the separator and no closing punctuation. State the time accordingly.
10:33
